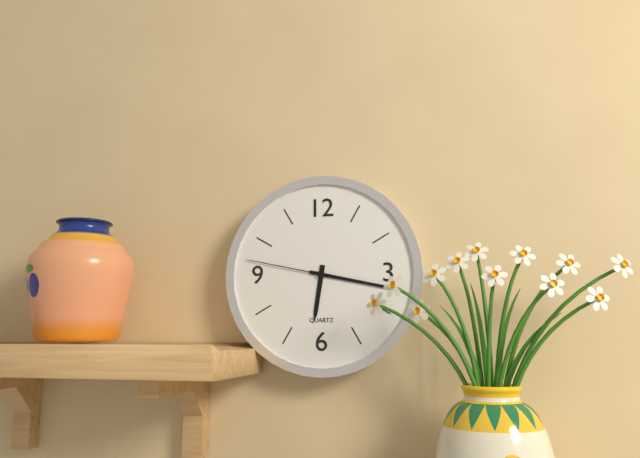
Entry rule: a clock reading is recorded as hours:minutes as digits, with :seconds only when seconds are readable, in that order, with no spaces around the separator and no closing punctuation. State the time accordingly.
6:17:47
